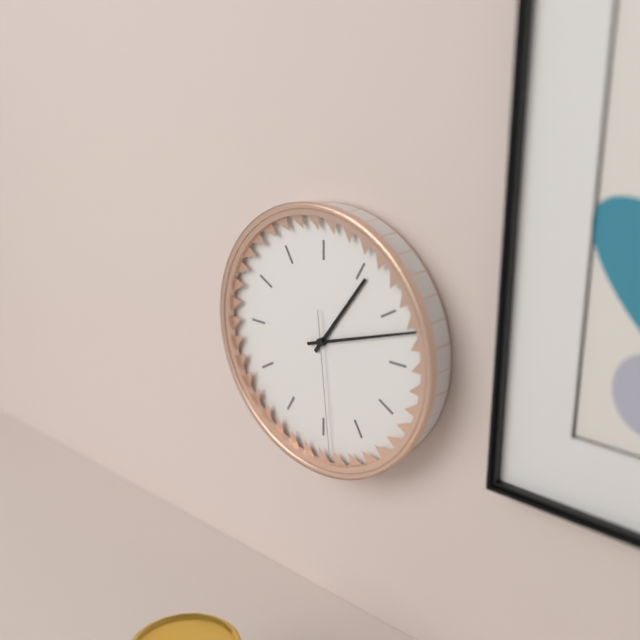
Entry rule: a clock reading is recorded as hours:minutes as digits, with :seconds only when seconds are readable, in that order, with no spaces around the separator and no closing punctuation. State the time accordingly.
1:12:29
